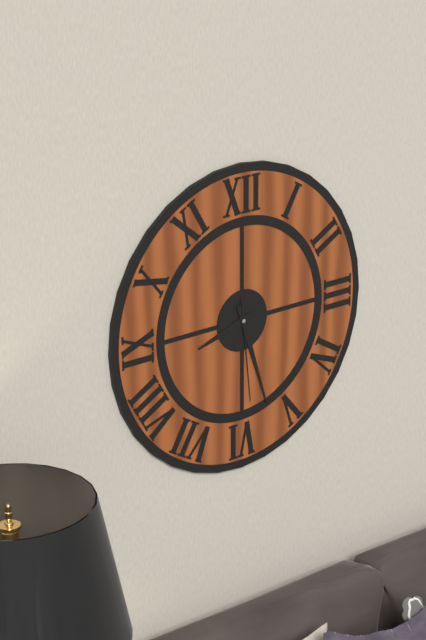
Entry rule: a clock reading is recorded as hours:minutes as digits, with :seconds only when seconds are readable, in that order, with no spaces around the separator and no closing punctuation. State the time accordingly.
8:27:29
